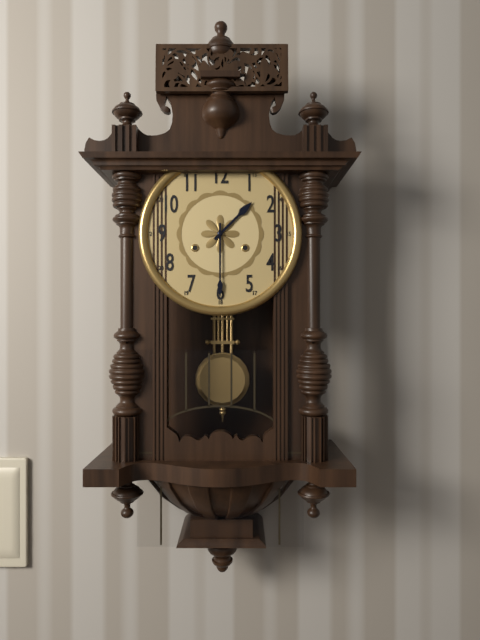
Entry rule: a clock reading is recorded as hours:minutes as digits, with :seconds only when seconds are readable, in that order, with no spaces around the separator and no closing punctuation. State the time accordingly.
1:30
